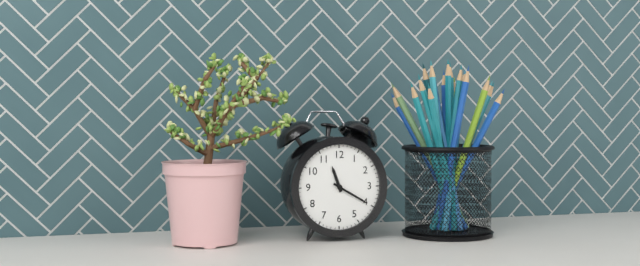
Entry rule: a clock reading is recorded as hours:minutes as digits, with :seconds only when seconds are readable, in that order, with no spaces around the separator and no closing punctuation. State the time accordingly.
11:20
